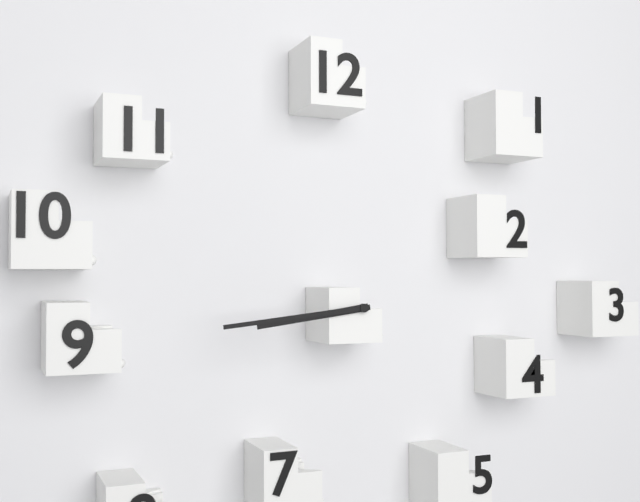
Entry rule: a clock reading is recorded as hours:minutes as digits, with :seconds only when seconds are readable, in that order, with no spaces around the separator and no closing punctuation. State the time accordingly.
8:44
